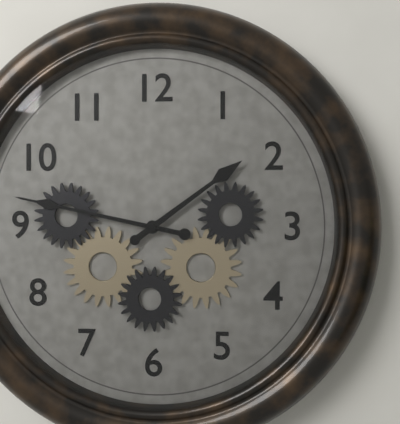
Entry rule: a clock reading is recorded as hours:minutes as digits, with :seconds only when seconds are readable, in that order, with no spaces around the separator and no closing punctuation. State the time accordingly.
1:47
